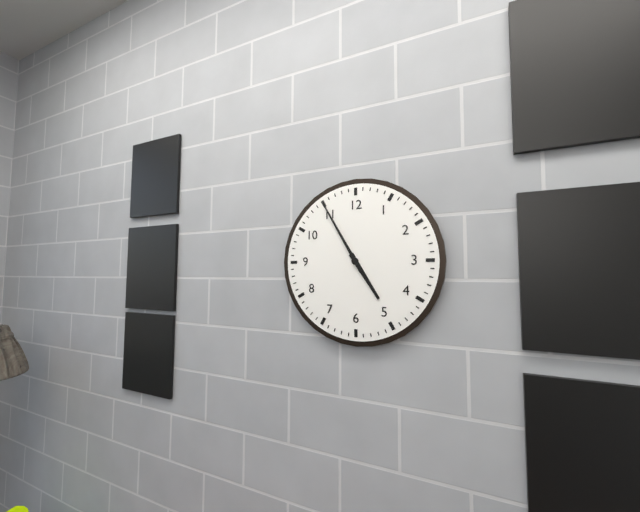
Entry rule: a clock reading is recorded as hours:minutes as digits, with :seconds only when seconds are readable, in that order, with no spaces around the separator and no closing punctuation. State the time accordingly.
4:55
